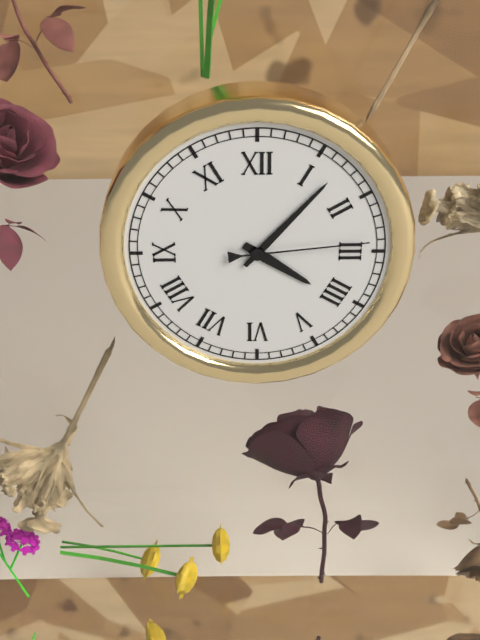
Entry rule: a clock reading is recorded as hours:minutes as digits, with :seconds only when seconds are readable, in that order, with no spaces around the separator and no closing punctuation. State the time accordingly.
4:07:14
